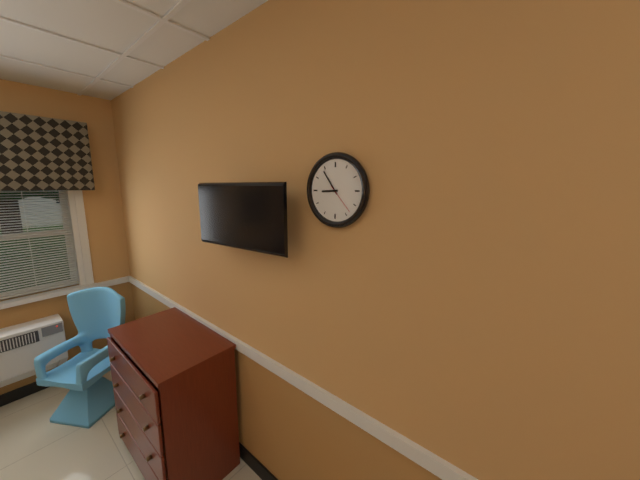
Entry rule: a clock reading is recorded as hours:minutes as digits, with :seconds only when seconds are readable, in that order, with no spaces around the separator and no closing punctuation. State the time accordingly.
8:54
